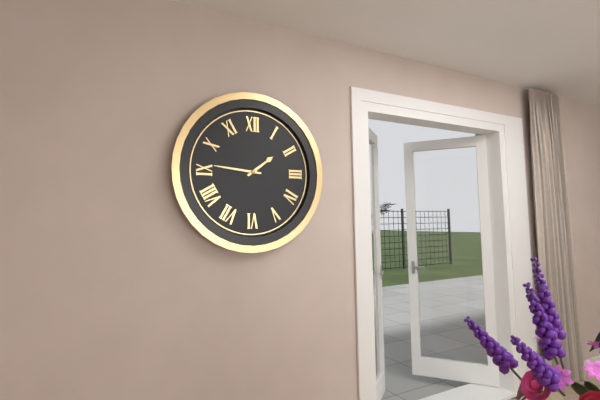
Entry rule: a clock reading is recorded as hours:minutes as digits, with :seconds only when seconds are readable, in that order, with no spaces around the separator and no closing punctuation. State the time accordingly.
1:46
